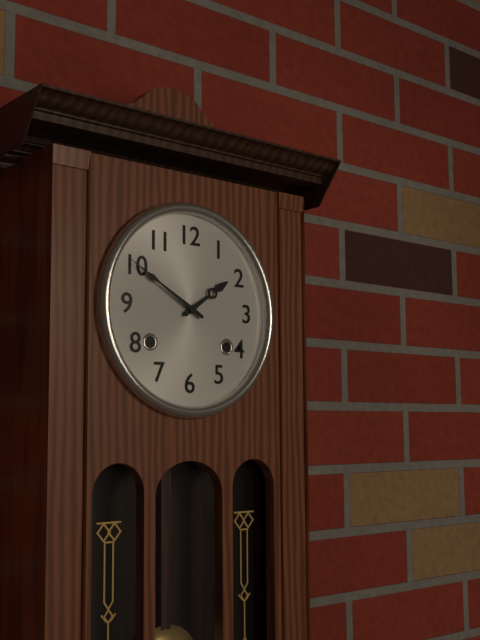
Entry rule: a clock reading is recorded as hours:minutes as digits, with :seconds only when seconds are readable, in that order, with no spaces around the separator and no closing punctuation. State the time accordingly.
1:50
